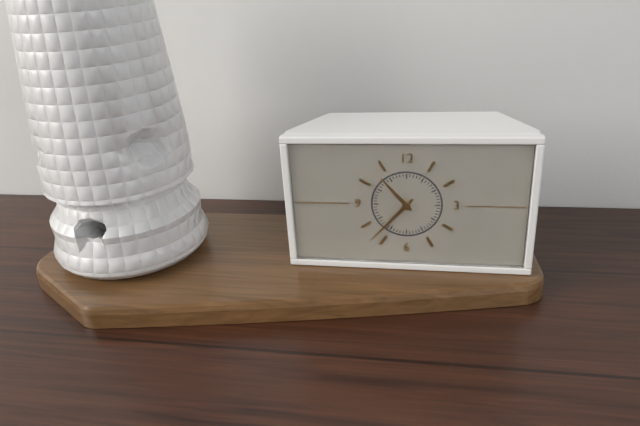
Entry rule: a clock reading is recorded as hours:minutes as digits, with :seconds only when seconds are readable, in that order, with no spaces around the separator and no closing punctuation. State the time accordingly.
10:37
